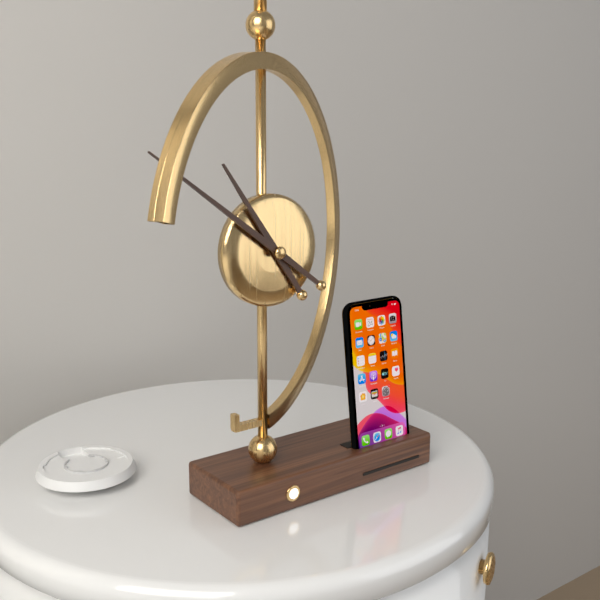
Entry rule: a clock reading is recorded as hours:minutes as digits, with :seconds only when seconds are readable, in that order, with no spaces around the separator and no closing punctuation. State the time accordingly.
10:51
